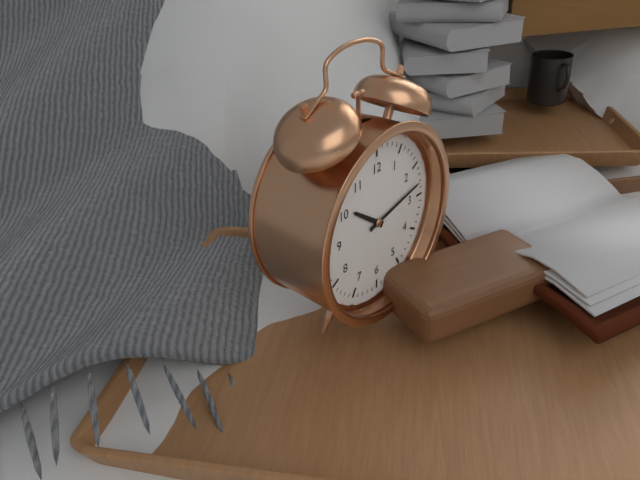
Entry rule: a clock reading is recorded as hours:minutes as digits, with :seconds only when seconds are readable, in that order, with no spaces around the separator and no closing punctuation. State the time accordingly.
10:13
